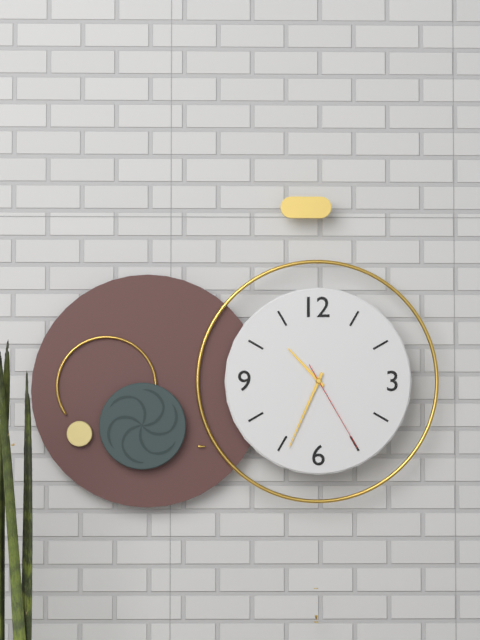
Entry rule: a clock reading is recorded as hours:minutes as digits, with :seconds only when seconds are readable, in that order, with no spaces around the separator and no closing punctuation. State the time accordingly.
10:34:25
